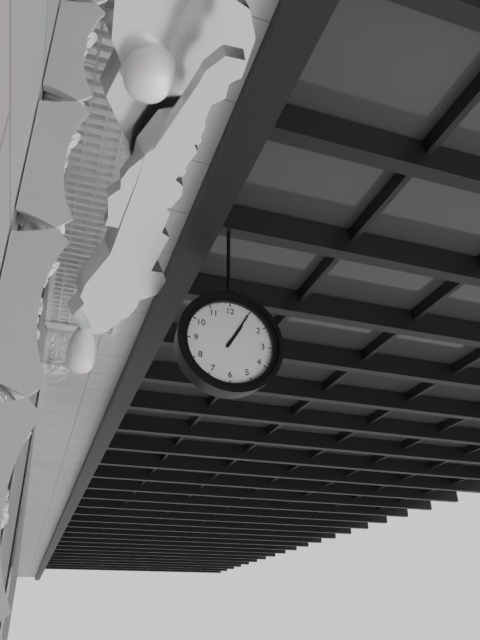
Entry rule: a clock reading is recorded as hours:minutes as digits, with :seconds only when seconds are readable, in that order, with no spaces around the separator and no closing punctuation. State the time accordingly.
1:05
